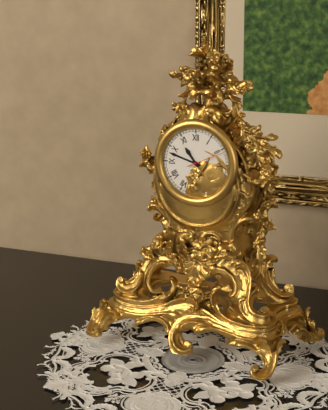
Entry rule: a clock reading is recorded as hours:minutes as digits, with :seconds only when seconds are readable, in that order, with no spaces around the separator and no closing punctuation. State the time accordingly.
10:48
